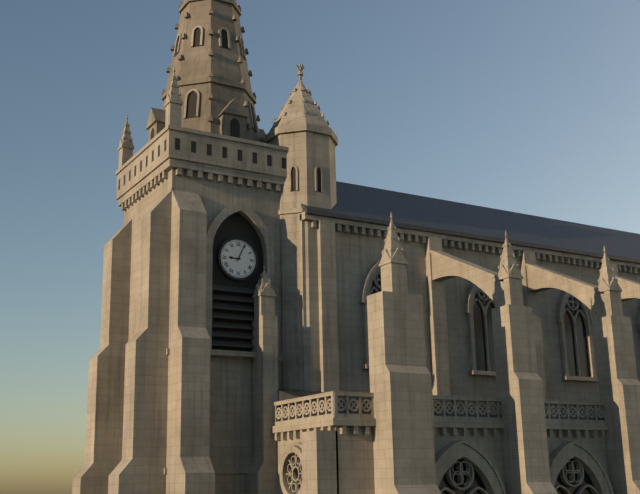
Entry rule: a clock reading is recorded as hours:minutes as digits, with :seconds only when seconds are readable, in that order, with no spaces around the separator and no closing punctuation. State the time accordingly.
9:04
